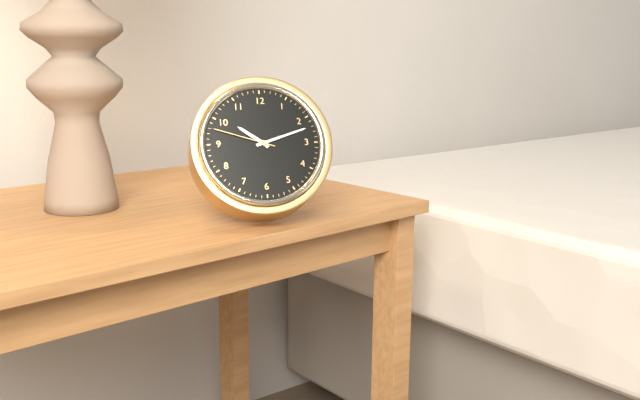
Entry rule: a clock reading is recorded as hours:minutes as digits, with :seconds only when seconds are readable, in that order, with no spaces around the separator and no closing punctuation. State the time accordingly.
10:12:48
